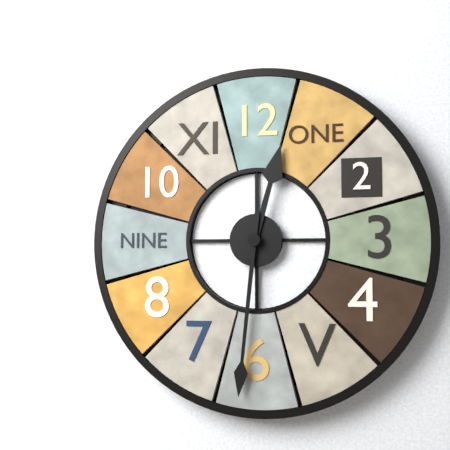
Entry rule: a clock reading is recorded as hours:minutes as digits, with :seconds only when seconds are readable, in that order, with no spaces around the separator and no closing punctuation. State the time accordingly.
12:31
